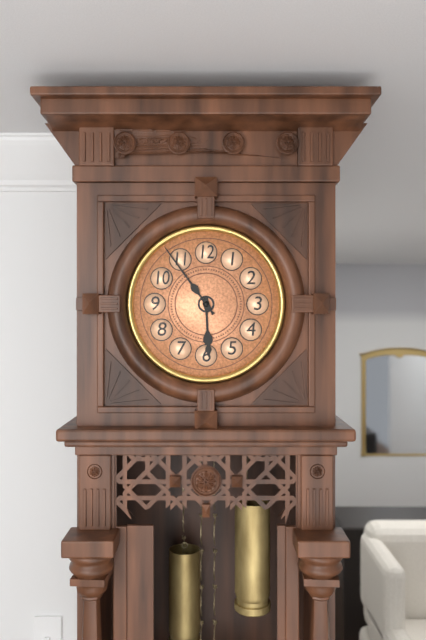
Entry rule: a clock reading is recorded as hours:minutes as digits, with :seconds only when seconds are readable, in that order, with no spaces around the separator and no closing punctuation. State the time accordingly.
5:54
